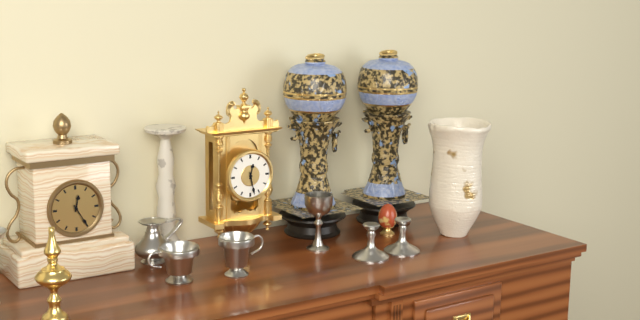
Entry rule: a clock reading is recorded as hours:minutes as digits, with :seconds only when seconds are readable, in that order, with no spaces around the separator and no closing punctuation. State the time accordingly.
12:28
